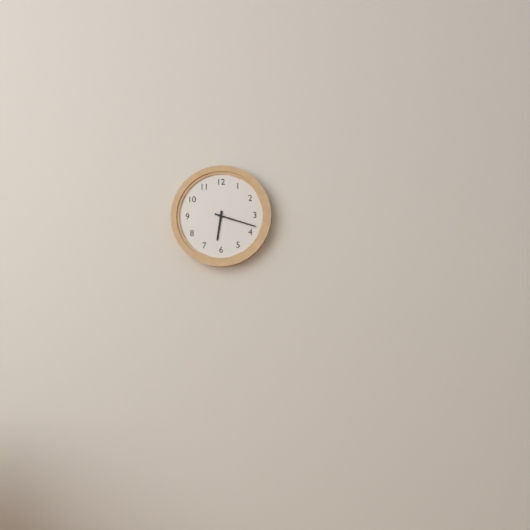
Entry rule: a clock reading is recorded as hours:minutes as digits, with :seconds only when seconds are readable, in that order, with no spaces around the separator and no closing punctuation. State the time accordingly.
6:18
